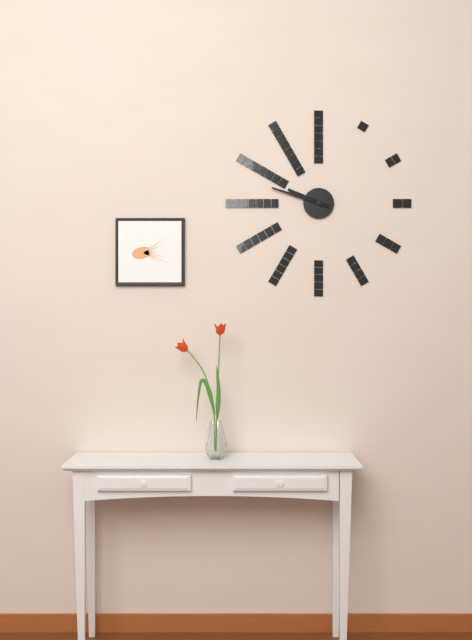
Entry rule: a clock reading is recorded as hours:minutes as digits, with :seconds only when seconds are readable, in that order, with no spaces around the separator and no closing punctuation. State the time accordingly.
9:48
